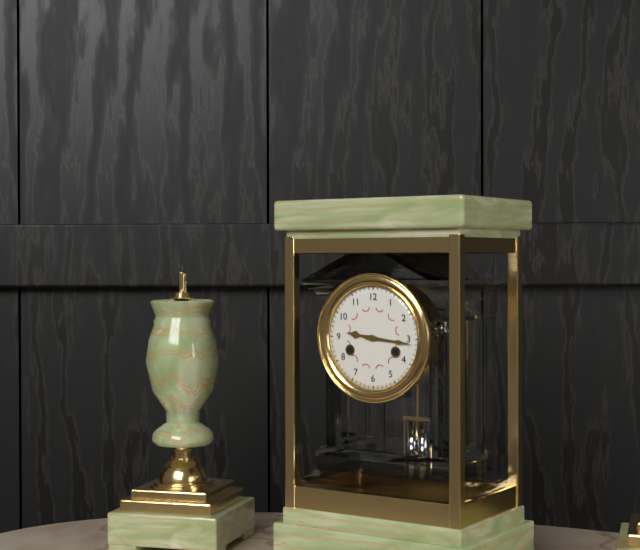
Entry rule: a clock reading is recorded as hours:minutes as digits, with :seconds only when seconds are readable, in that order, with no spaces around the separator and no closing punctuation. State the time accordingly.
9:16
